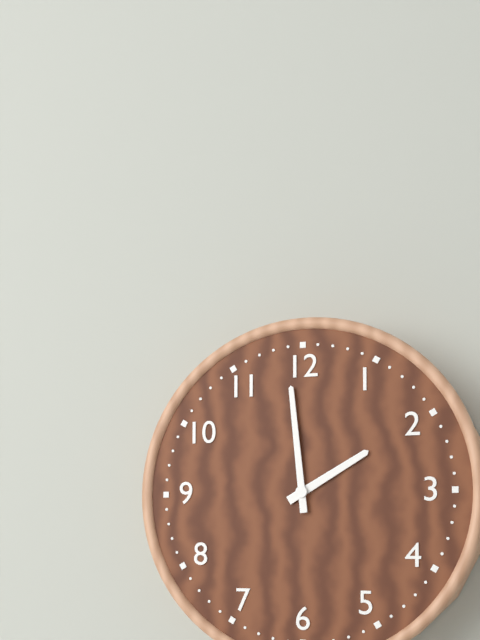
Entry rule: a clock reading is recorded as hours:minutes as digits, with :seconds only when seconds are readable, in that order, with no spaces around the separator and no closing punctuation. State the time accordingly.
1:59
